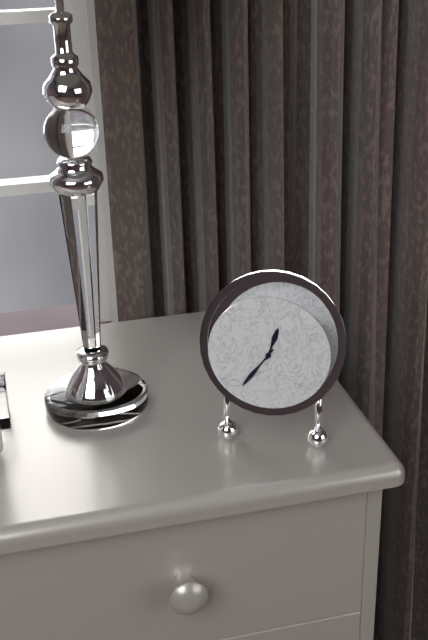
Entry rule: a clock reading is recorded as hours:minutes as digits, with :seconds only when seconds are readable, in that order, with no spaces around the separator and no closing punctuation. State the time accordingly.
12:36
